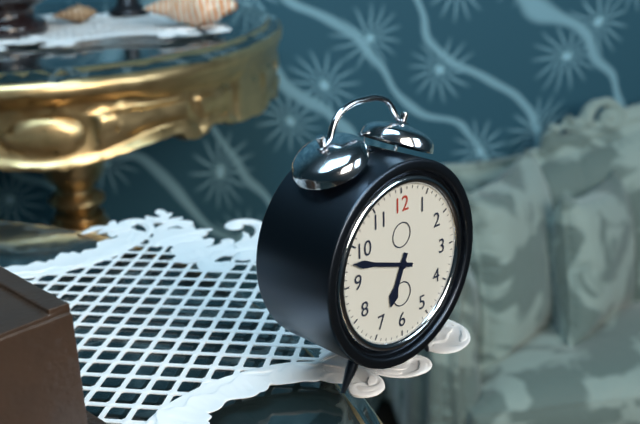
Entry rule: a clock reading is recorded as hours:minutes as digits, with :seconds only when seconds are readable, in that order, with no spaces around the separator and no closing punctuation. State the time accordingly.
6:48
